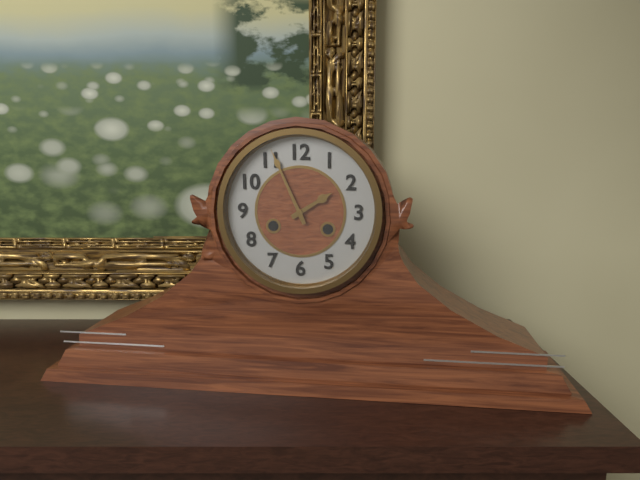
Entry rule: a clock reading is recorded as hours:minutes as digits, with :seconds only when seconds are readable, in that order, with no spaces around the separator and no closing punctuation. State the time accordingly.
1:56
